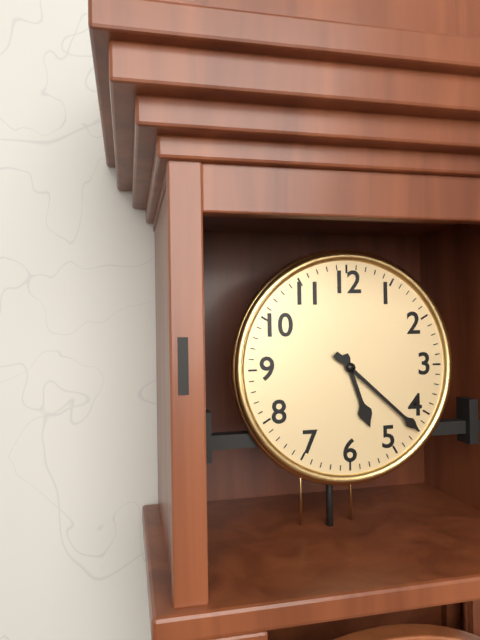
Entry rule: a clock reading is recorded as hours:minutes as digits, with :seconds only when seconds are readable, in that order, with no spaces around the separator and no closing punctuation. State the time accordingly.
5:22
